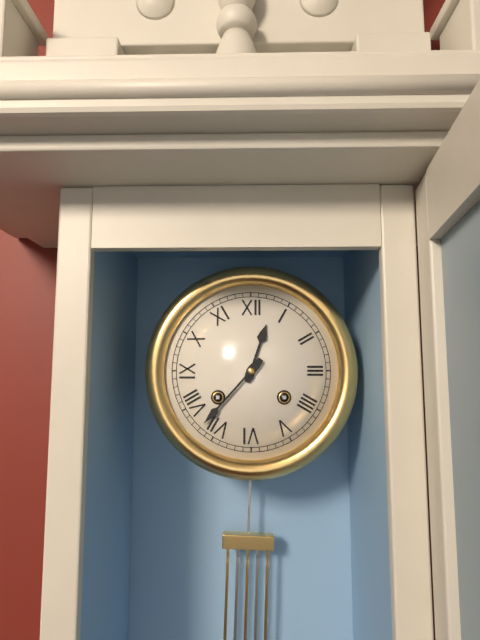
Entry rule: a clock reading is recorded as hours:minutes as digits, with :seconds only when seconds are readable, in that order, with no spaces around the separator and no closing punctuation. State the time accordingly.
12:37
